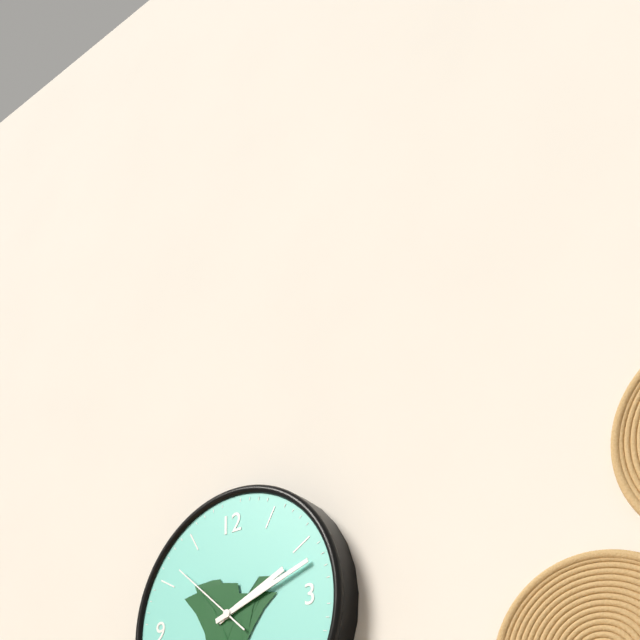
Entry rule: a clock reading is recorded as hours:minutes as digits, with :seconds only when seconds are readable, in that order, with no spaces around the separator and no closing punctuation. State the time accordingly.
2:12:52
